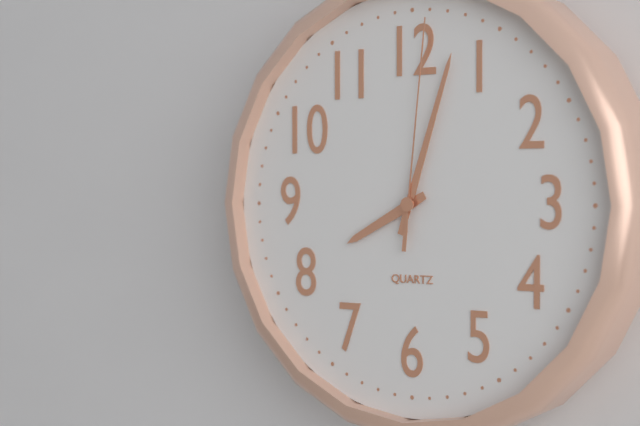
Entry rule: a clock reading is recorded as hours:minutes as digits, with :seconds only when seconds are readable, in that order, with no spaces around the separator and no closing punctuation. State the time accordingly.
8:03:01
